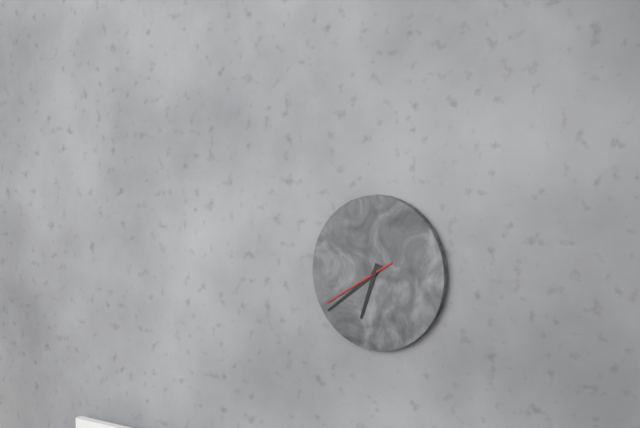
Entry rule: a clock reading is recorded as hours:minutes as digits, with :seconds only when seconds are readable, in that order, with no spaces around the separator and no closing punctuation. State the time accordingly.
6:39:40
